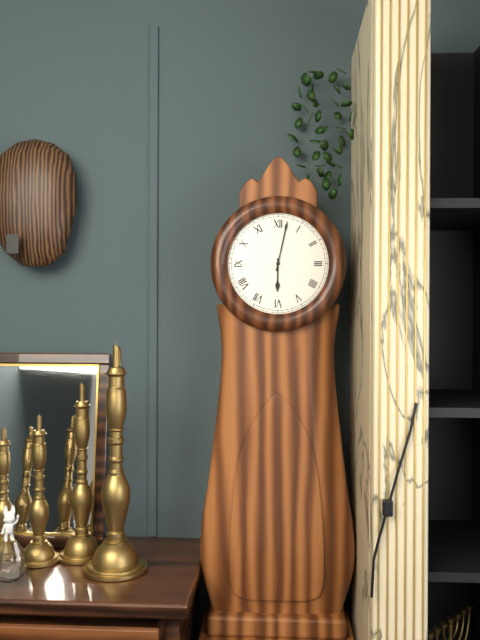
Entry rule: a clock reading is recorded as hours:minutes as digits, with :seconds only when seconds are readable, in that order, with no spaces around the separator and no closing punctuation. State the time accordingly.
6:02
